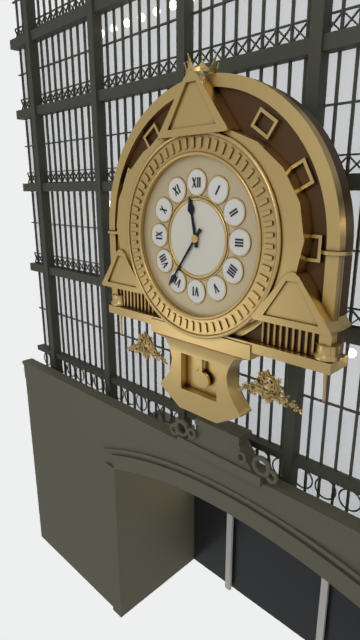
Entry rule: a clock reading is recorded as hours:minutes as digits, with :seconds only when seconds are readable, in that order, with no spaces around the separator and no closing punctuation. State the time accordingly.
11:36
